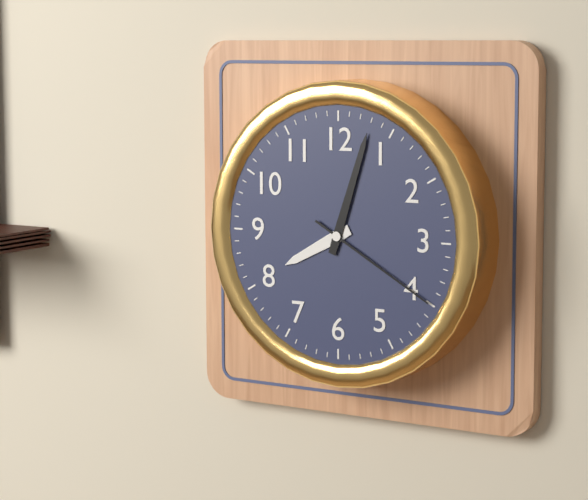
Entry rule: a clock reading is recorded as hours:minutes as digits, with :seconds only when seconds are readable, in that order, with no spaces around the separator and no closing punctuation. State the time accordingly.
8:03:20
